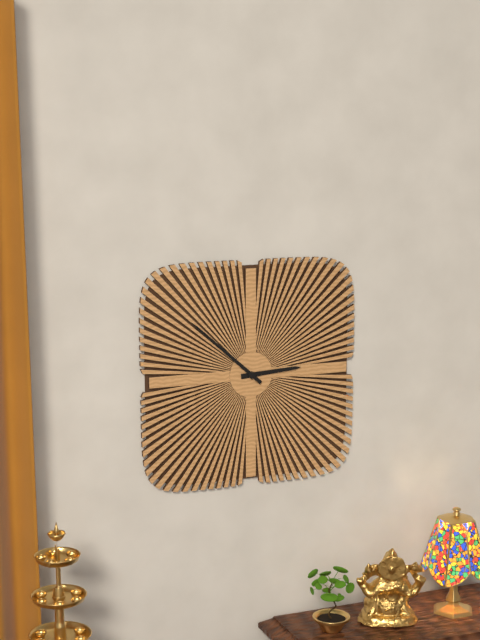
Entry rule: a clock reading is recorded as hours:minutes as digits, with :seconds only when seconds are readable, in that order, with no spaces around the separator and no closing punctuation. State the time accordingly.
2:52
